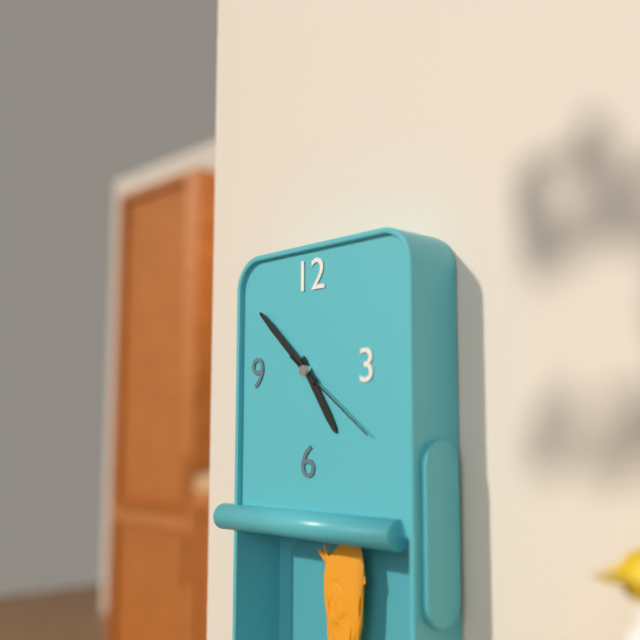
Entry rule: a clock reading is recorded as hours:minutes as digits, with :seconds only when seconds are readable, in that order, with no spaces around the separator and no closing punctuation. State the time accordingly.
4:52:21
